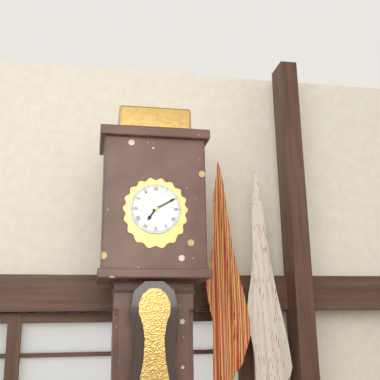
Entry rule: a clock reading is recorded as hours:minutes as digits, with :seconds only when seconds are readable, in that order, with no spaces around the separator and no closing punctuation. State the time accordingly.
7:10
